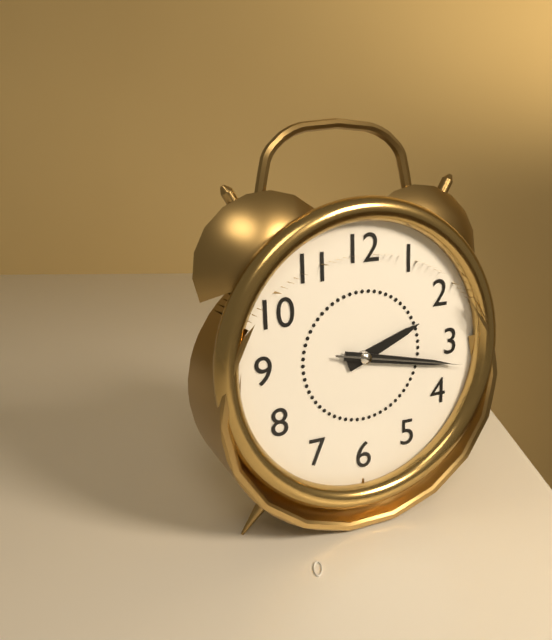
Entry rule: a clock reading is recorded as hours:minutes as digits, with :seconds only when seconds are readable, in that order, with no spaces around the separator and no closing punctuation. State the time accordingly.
2:17:17
